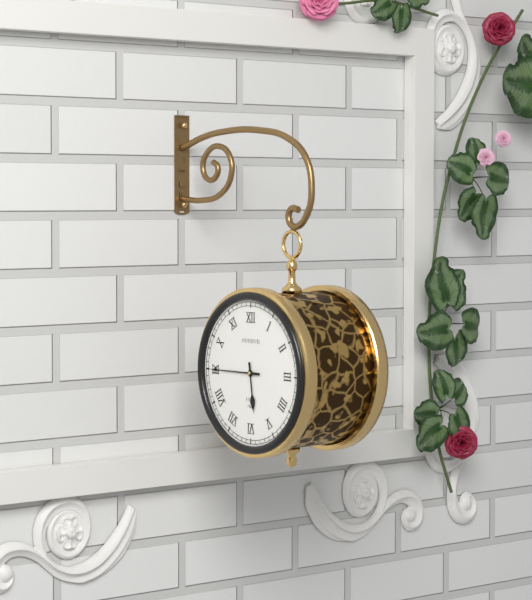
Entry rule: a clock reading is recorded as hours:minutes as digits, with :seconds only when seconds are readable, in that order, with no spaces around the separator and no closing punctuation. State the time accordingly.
5:45
